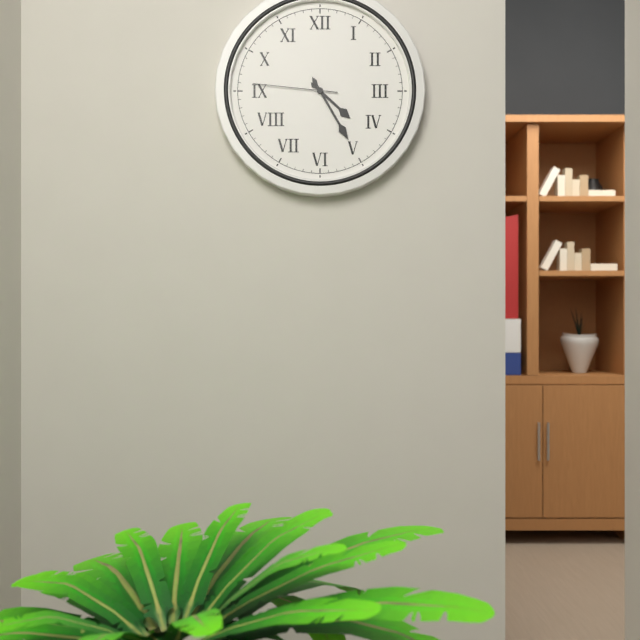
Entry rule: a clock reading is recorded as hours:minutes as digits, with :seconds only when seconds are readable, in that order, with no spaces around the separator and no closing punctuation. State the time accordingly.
4:25:46
